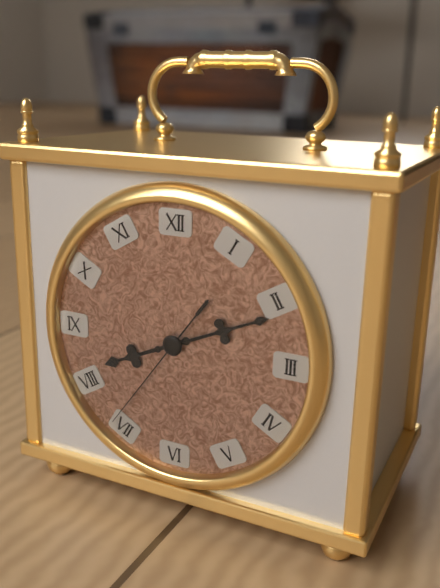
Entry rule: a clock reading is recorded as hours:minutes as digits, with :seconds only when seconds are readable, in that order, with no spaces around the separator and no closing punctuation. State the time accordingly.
8:11:36
